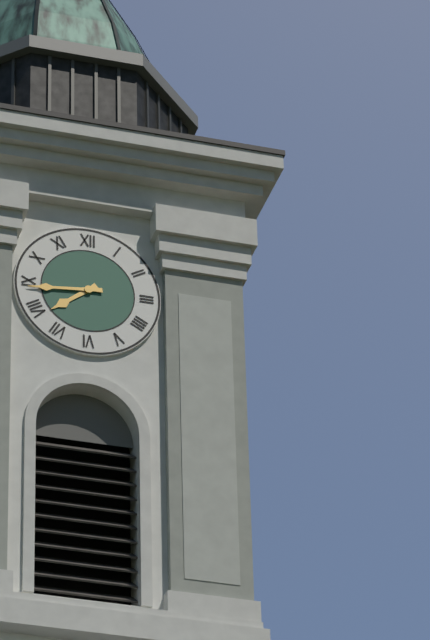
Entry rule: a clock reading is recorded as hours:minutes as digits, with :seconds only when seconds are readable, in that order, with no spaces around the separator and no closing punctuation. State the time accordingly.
7:44
